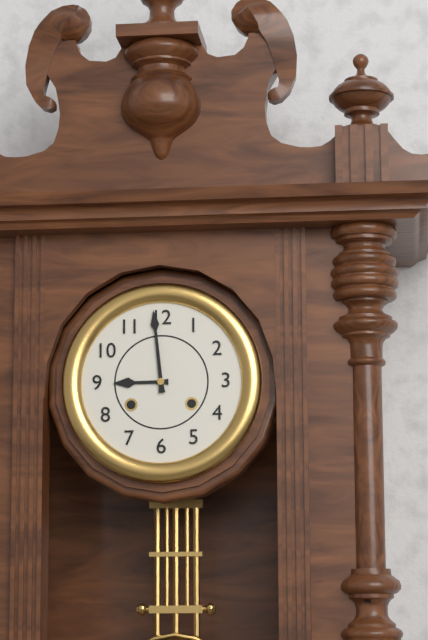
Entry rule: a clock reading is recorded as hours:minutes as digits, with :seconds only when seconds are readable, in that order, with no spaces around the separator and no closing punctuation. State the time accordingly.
8:59
